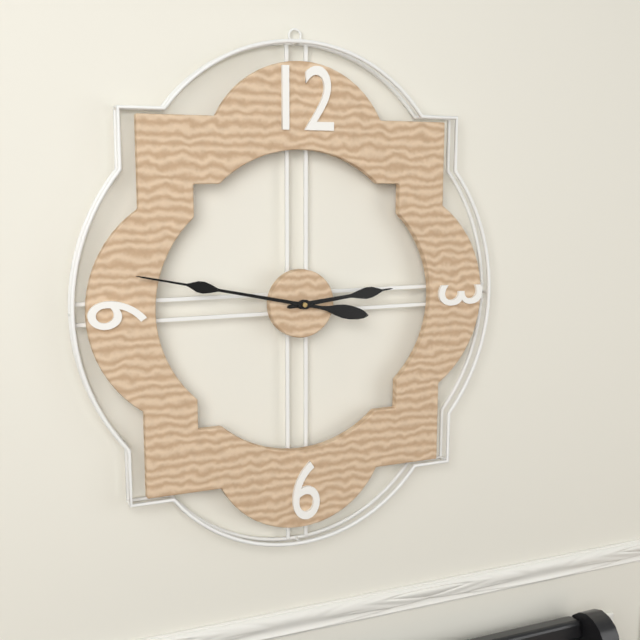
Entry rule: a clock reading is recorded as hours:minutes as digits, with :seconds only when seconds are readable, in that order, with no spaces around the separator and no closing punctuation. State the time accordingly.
2:47
